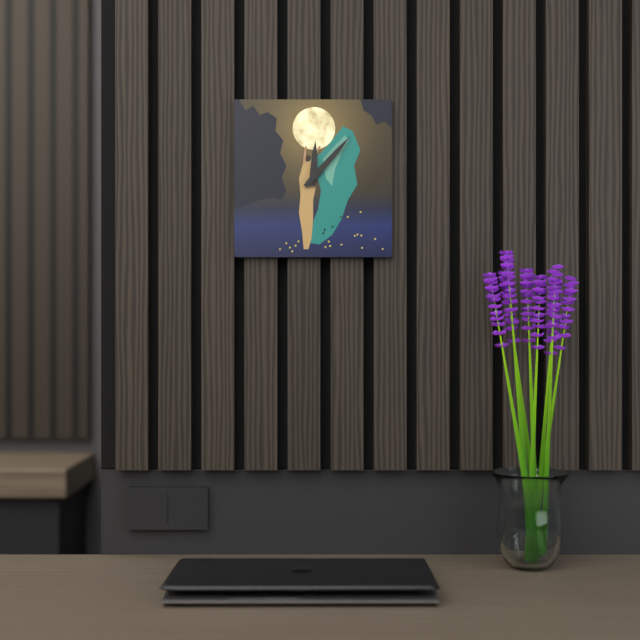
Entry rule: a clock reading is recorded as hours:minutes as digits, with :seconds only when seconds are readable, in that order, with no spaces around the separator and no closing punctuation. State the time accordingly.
12:07
